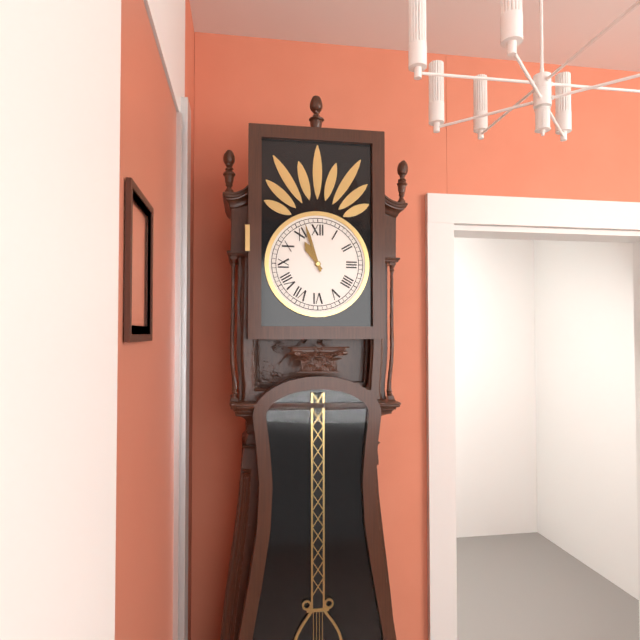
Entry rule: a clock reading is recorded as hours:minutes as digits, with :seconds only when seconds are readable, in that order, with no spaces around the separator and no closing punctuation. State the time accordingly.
10:57
